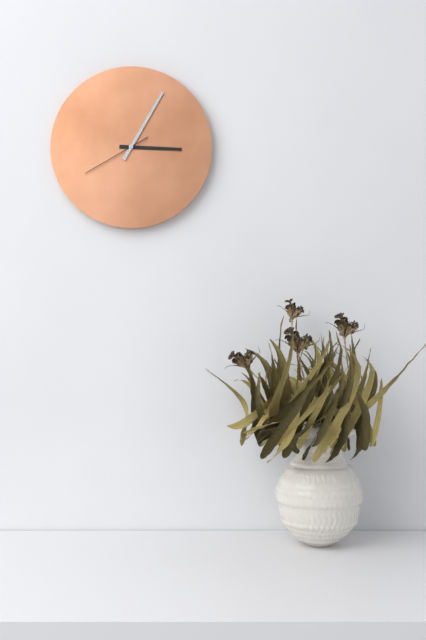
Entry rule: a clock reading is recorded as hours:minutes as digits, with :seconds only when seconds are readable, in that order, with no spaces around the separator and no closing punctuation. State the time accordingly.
3:05:40
